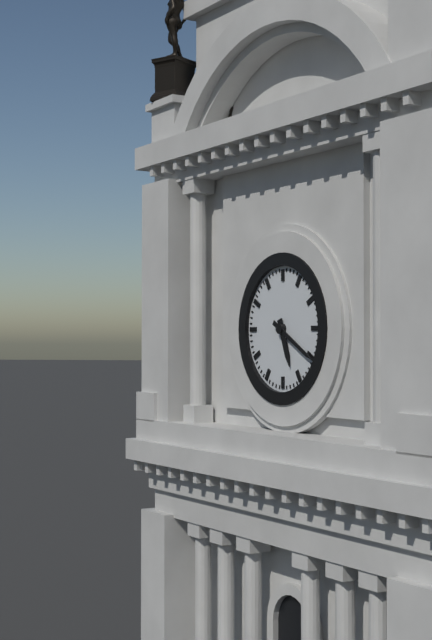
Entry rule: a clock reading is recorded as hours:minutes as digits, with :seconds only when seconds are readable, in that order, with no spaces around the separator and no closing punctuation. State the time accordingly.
5:20
